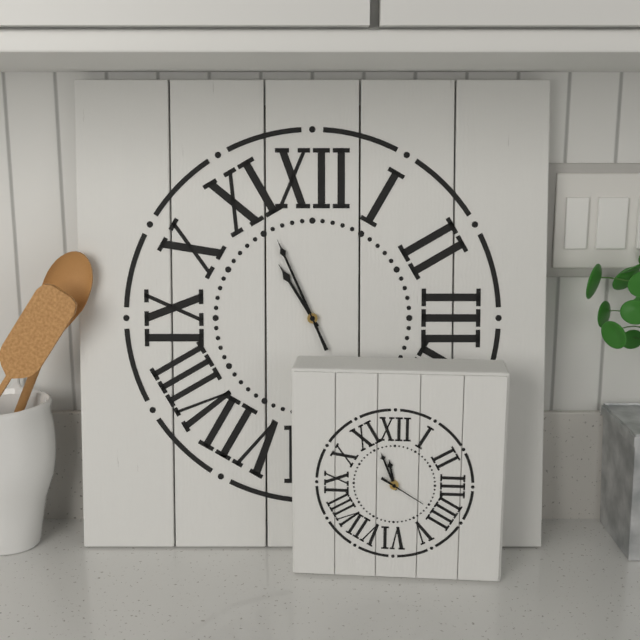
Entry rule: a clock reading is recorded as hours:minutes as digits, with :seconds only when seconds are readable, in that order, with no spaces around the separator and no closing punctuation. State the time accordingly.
10:56:56
